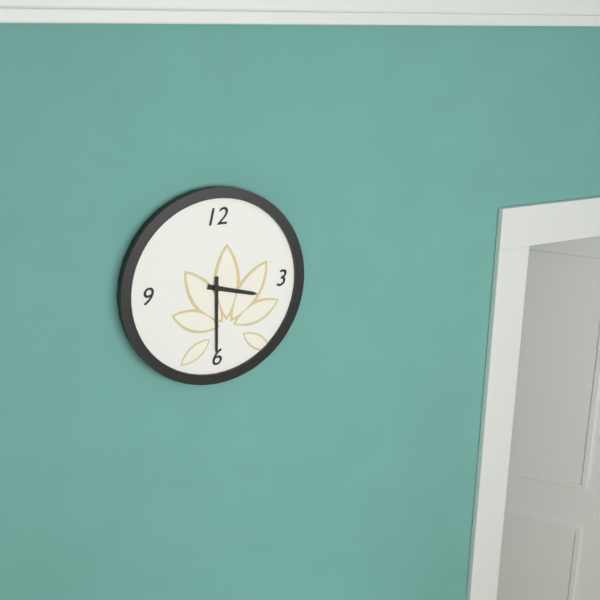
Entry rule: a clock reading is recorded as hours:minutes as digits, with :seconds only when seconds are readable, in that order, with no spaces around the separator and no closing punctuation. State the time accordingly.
3:30
